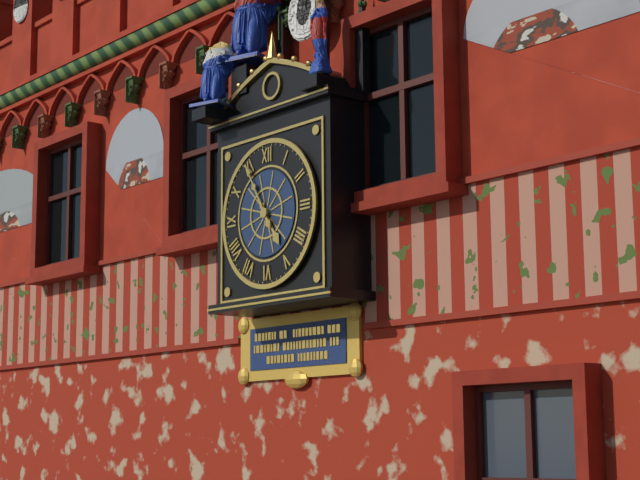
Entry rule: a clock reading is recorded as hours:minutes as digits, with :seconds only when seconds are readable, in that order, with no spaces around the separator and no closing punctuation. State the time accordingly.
4:55
